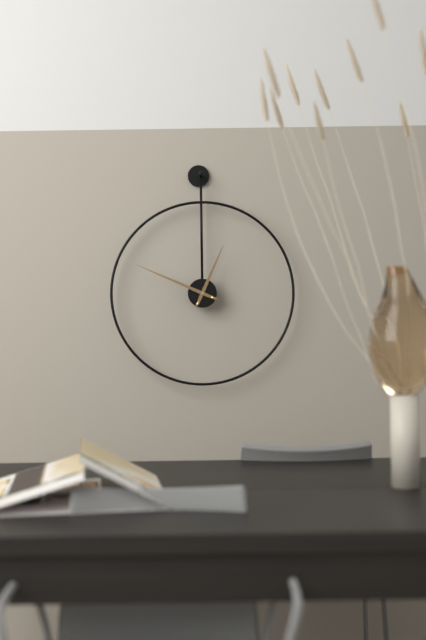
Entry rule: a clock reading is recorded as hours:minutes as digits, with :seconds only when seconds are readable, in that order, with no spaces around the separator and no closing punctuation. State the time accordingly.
12:49
